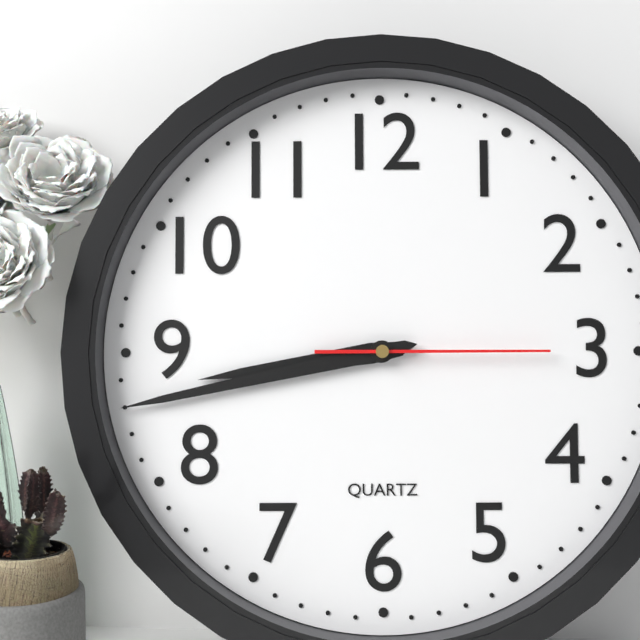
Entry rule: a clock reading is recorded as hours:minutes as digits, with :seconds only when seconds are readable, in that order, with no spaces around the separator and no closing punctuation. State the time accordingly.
8:43:15
